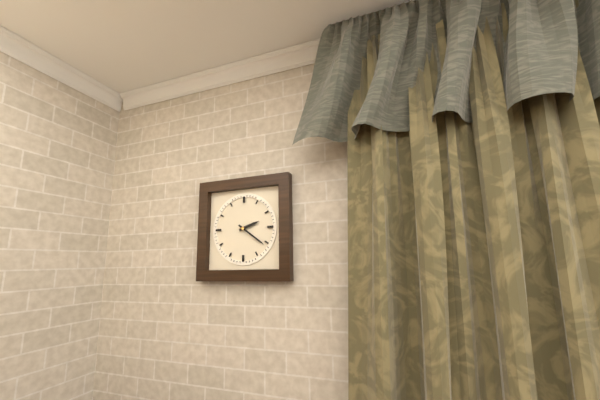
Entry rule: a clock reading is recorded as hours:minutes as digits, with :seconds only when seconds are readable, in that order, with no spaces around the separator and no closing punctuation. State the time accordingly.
2:21
